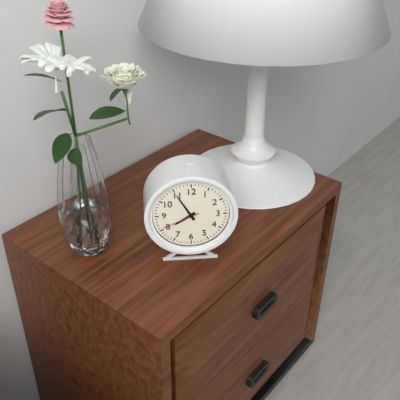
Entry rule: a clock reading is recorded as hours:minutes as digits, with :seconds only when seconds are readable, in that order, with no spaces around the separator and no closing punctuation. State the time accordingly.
7:55
